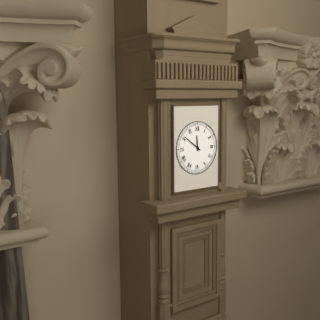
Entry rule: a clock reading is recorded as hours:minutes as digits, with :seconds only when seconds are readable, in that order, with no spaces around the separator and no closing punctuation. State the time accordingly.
11:51
